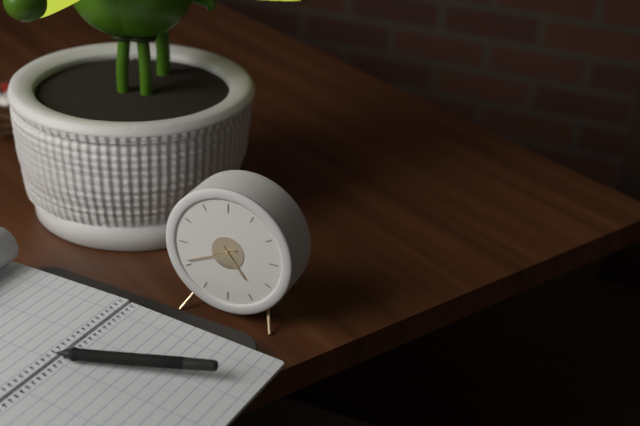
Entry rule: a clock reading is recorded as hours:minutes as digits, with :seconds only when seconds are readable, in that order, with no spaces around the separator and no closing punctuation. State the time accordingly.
4:41
